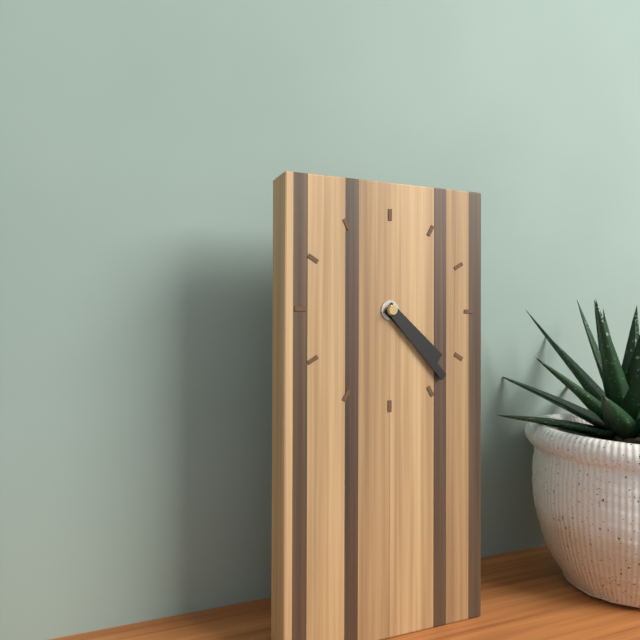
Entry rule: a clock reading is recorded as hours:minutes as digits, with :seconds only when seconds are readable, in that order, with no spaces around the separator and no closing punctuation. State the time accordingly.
4:23
